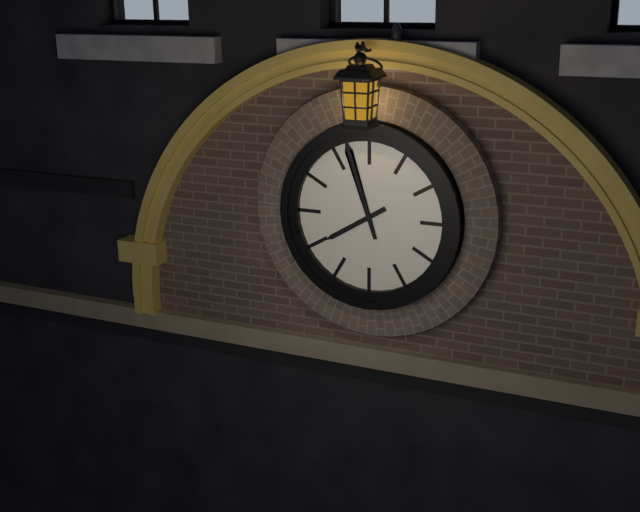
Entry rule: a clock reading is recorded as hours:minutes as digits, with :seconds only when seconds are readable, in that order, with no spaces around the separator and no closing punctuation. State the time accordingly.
7:57
